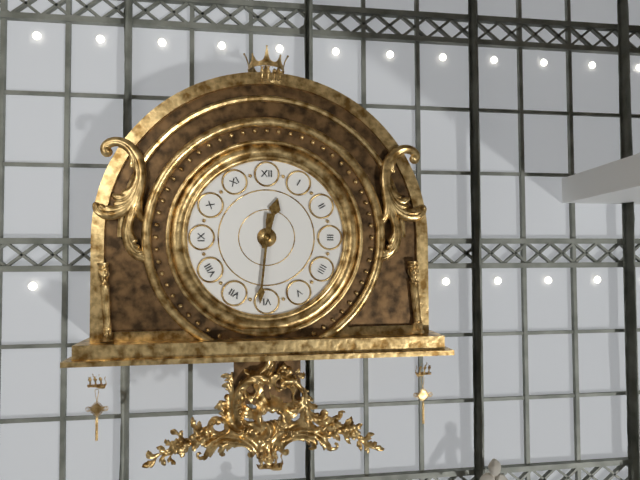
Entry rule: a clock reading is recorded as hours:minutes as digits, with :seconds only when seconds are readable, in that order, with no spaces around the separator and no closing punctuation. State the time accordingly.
12:31
